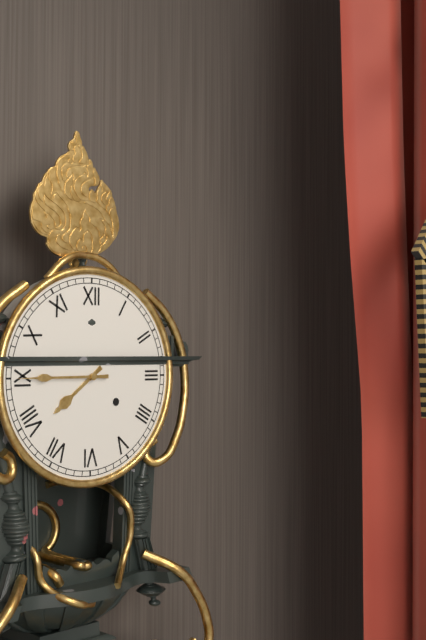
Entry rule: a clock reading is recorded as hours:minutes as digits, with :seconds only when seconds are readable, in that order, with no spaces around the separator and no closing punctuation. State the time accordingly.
7:45
